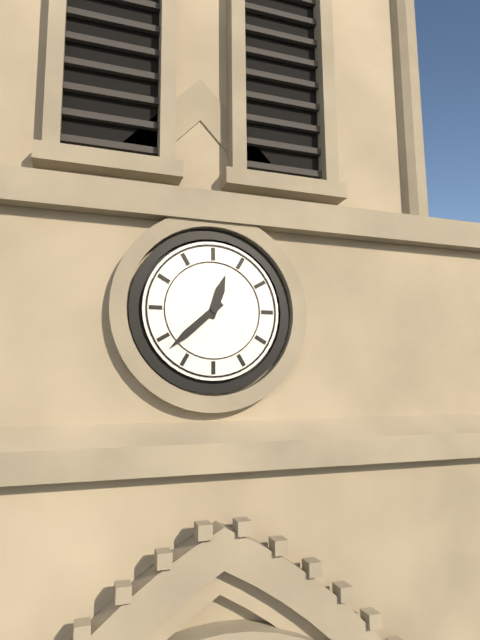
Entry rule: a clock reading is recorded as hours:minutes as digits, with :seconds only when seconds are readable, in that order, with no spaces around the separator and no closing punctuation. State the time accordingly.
12:38
